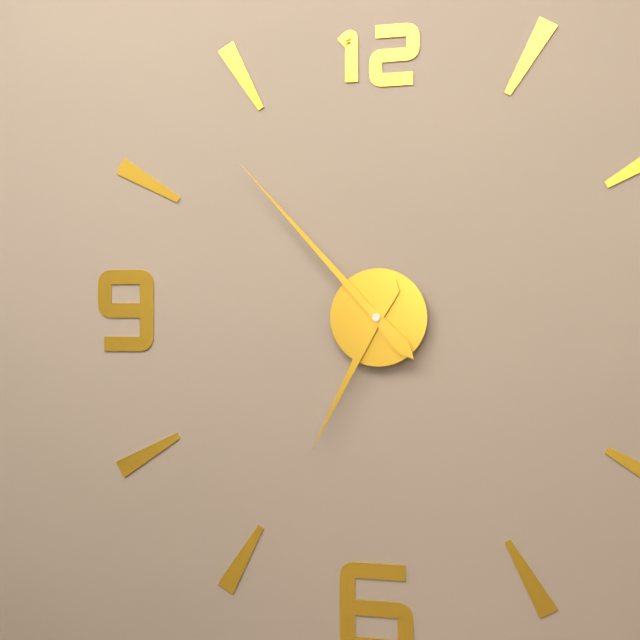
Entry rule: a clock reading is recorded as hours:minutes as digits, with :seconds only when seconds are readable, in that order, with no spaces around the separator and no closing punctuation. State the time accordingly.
6:53
